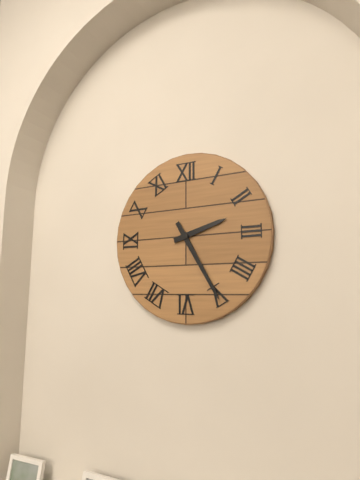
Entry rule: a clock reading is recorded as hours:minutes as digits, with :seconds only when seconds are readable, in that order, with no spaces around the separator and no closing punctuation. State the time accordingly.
2:25
